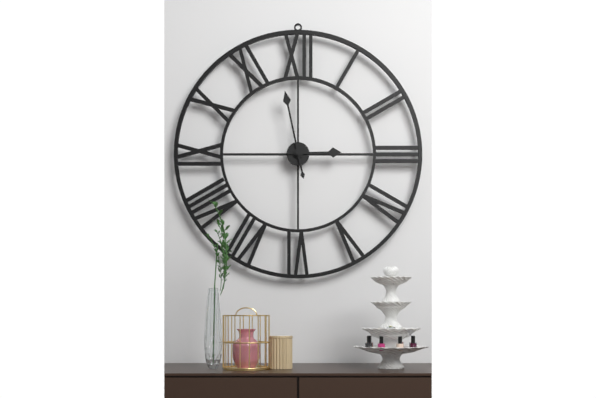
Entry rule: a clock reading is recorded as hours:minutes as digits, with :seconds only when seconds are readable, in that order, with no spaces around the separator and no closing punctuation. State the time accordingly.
2:58
